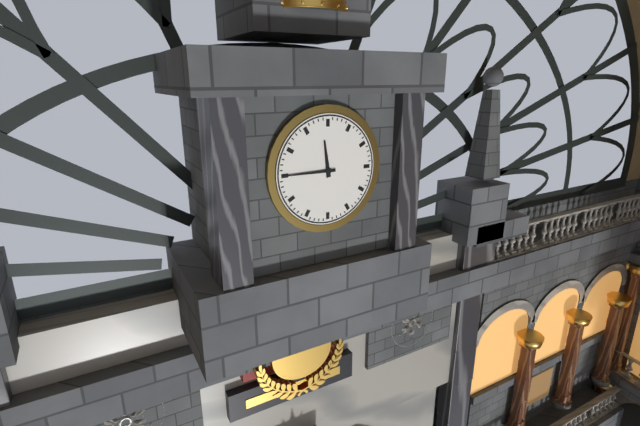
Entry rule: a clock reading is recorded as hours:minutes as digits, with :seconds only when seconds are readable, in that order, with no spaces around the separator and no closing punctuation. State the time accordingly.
11:45
